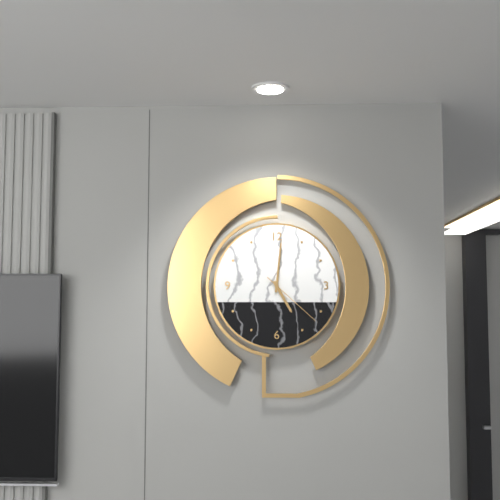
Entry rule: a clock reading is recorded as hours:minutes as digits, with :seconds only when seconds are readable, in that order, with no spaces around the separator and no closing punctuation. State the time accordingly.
5:01:22
